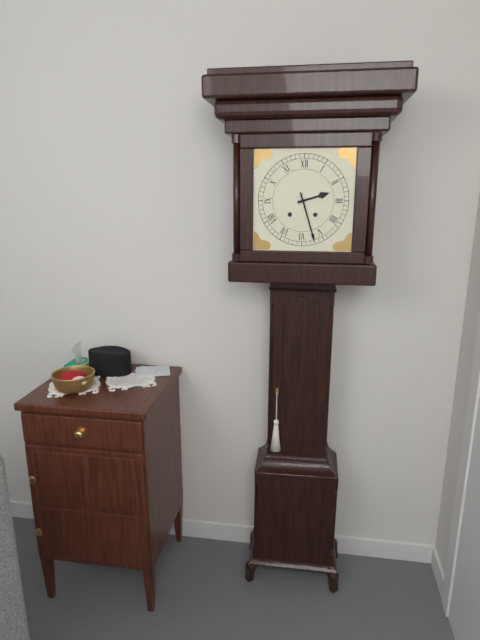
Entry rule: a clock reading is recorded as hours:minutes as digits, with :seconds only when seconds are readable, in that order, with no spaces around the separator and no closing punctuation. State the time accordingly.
2:27
